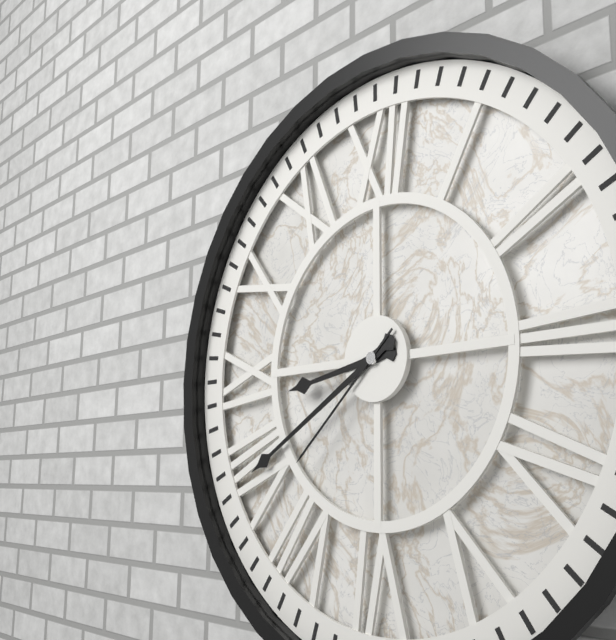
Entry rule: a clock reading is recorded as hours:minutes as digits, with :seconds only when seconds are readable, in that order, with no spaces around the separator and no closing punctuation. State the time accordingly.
8:40:38
